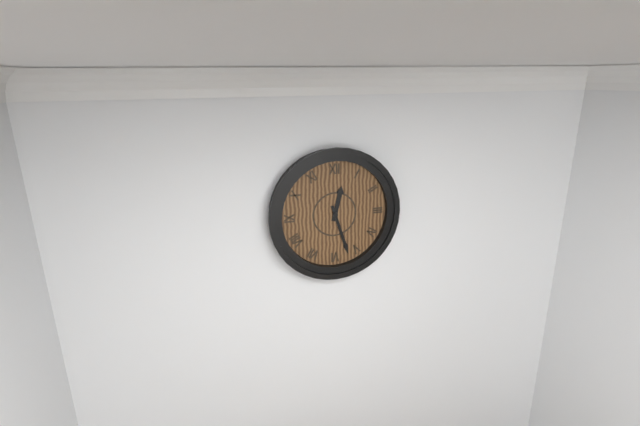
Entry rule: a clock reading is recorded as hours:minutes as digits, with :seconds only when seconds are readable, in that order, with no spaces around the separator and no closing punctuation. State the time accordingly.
12:27
